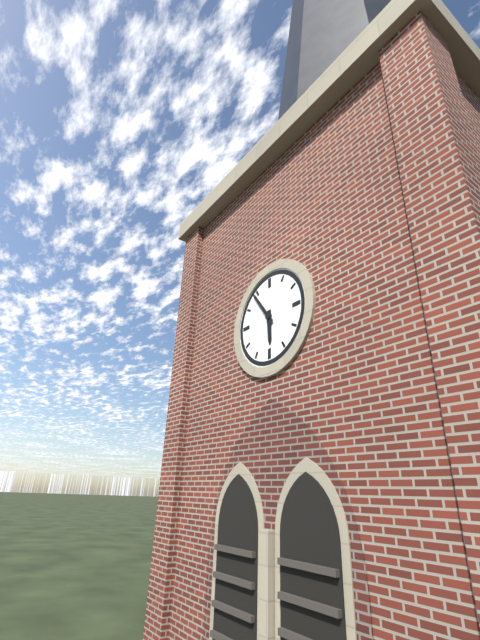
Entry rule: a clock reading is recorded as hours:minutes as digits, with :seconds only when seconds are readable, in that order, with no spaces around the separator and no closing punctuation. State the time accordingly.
5:54
